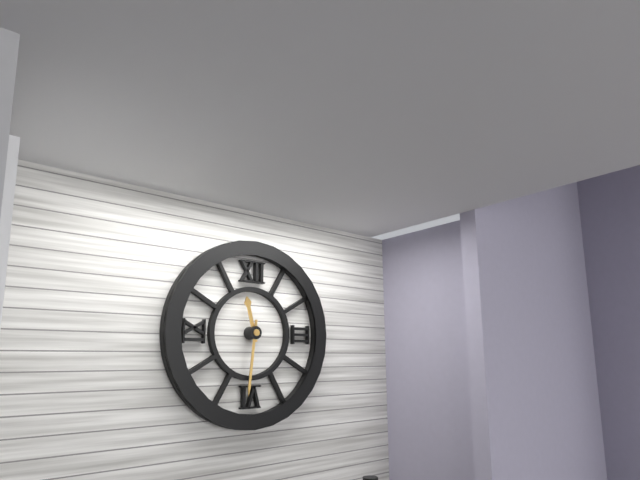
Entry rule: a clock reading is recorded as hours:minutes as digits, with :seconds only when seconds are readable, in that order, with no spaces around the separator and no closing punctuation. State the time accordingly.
11:31
